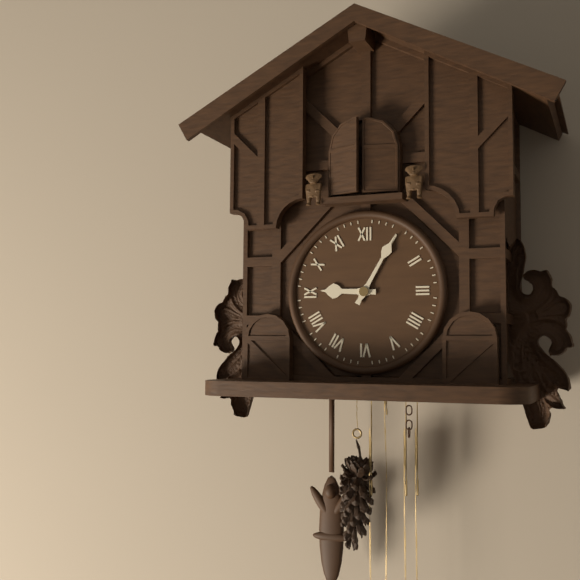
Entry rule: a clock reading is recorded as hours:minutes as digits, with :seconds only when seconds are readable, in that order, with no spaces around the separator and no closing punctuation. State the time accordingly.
9:05
